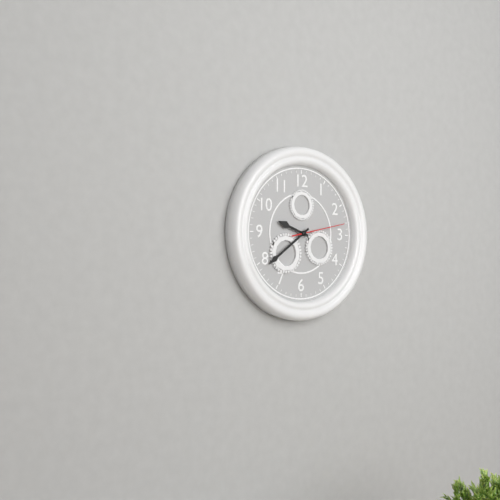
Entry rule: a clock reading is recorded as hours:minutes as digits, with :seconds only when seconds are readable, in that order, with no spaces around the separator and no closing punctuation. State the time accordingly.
9:39:13
